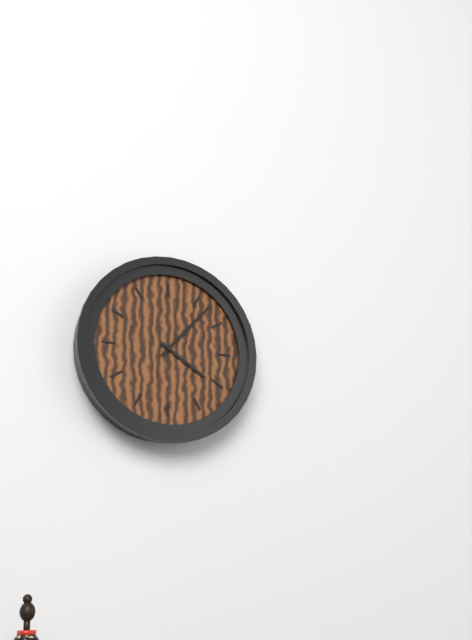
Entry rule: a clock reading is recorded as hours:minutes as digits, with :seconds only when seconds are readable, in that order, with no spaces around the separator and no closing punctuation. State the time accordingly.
4:07
